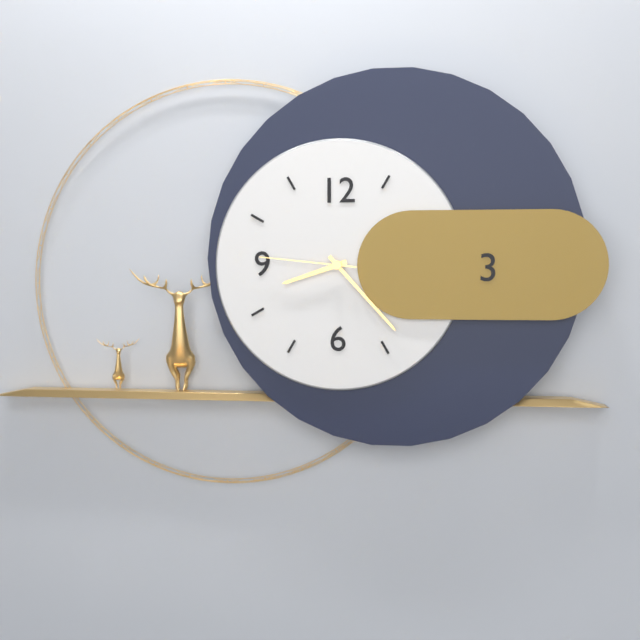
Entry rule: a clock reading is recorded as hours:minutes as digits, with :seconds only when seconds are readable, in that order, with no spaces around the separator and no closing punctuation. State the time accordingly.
8:23:46
